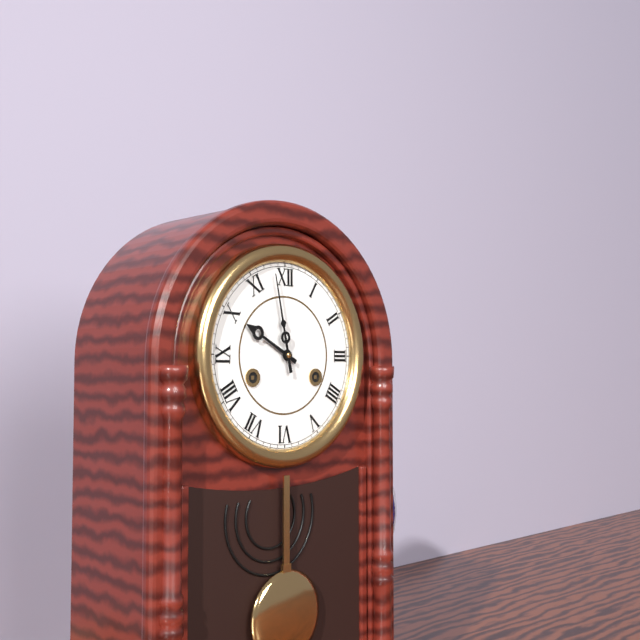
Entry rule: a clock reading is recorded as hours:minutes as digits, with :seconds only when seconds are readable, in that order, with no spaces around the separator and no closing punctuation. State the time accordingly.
9:58
